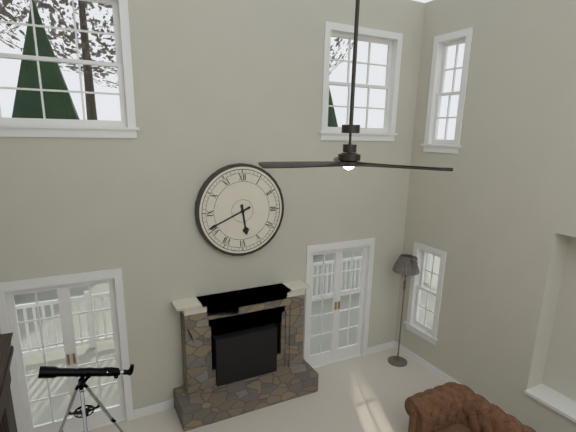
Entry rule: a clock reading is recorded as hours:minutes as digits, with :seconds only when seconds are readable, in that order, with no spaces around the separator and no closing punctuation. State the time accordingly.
5:41
